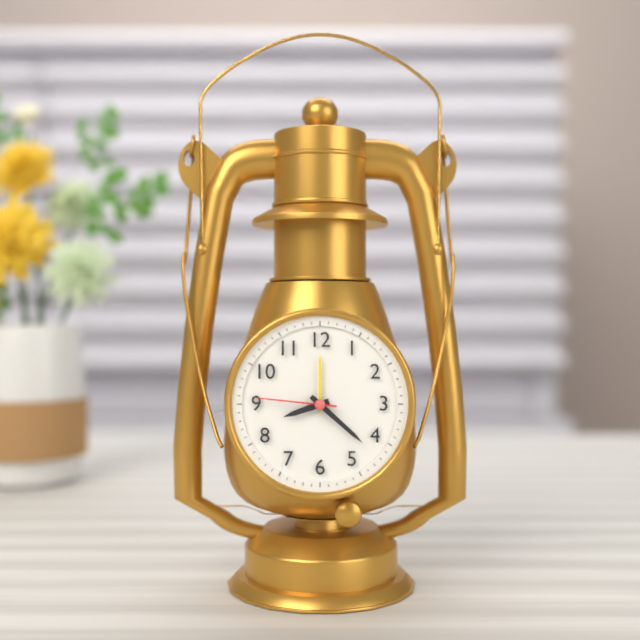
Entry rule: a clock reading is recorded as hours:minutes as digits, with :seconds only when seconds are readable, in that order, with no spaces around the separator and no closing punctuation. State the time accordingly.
8:22:46
